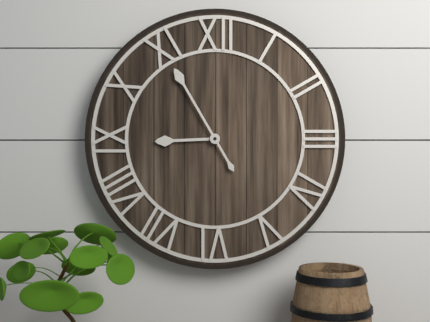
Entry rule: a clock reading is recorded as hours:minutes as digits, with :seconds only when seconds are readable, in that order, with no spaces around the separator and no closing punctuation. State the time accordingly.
8:55
